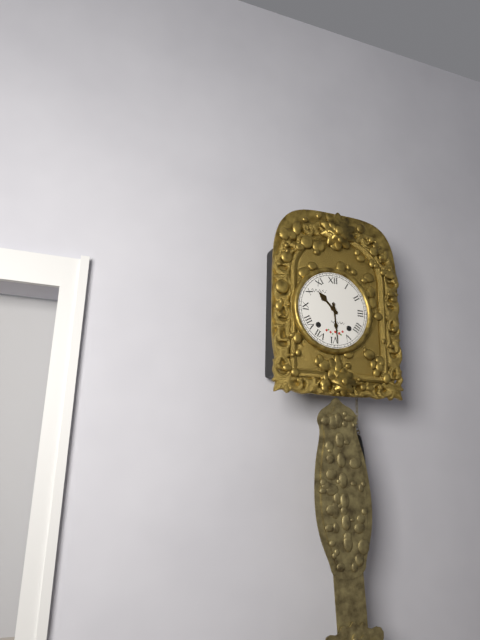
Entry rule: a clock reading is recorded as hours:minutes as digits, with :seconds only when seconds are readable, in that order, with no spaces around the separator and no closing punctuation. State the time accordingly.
10:29
